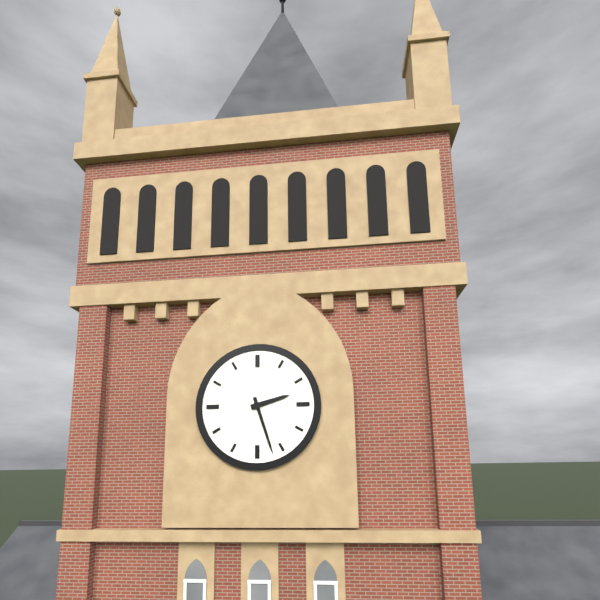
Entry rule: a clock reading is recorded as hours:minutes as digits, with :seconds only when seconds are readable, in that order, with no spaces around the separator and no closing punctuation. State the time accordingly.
2:27
